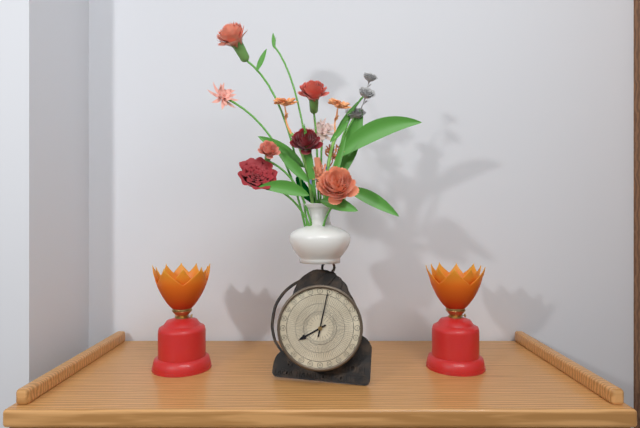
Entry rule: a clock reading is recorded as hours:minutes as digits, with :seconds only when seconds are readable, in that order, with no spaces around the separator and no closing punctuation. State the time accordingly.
8:02
